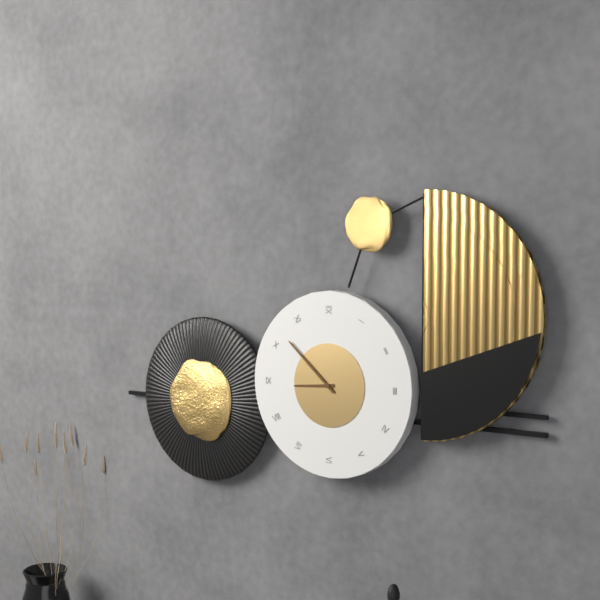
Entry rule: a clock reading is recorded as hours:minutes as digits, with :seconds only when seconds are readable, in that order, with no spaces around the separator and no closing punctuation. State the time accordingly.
8:52
